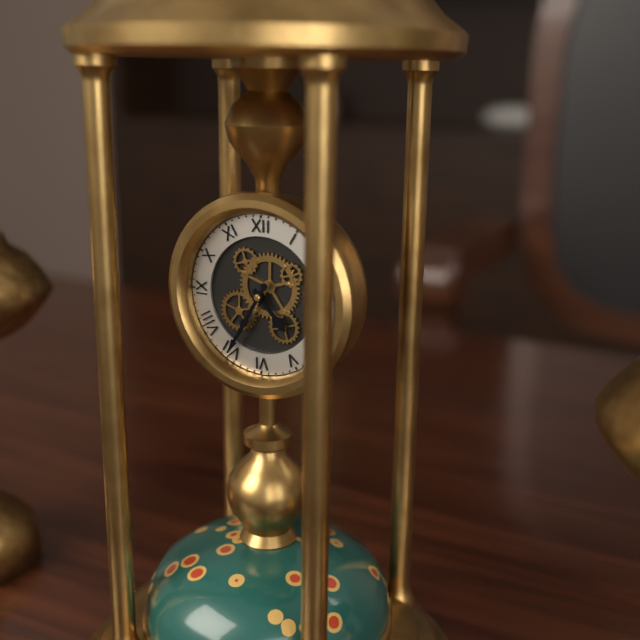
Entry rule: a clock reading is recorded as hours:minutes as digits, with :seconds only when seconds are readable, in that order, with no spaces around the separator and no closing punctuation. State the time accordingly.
4:35
